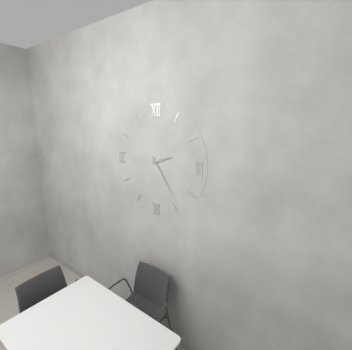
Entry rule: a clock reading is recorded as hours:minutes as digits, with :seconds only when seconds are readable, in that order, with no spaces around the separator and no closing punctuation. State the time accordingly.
2:24
